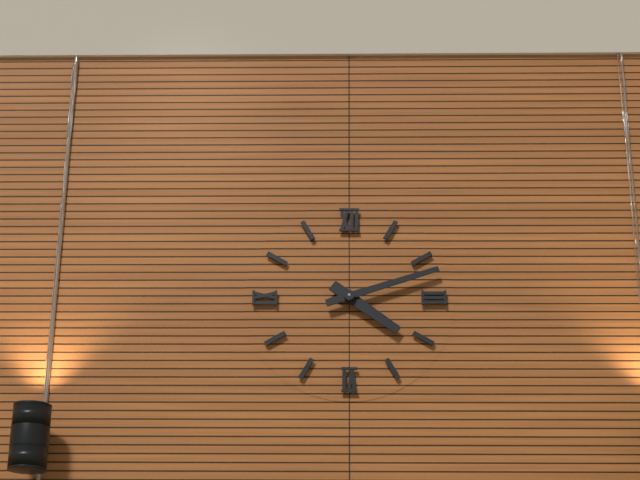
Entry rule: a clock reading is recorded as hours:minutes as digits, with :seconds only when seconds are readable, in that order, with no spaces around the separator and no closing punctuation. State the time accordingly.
4:12
